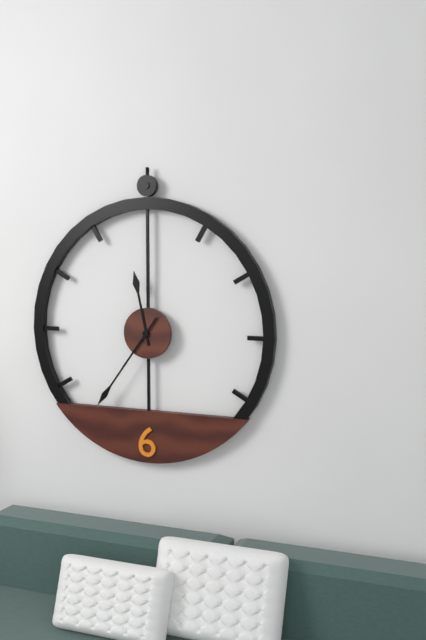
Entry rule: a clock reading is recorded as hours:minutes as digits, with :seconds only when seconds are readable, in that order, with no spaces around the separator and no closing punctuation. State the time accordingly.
11:36
